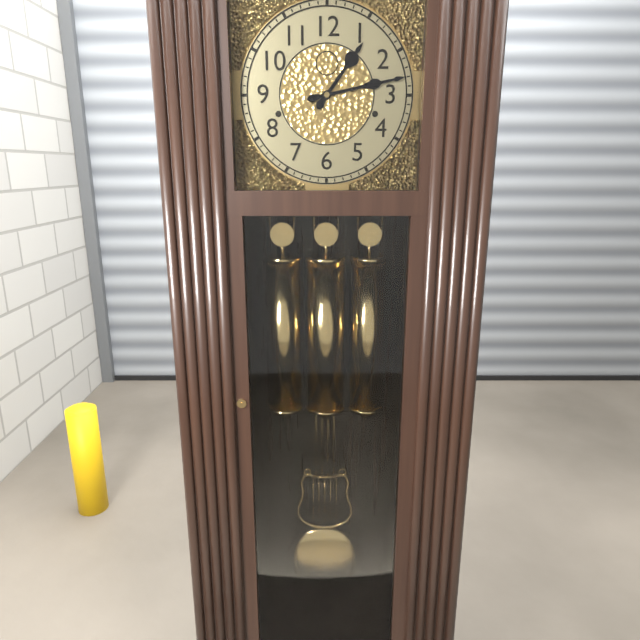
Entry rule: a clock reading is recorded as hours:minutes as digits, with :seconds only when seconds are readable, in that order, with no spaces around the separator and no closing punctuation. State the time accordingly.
1:13
